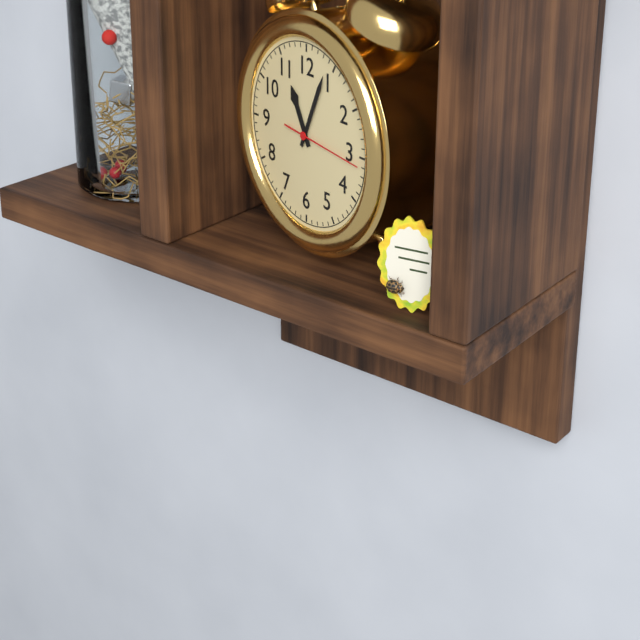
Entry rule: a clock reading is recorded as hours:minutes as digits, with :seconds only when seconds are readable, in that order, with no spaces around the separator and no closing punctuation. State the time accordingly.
11:04:16
